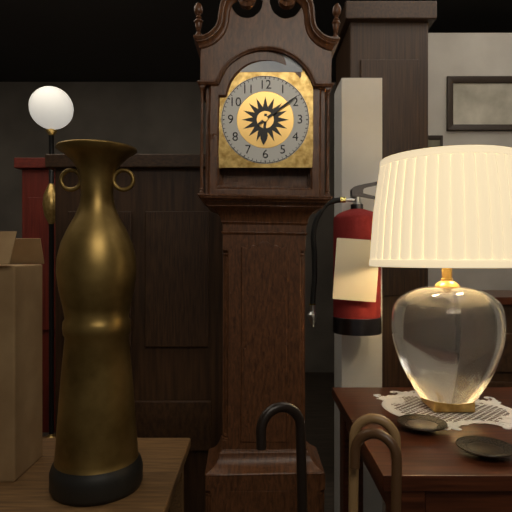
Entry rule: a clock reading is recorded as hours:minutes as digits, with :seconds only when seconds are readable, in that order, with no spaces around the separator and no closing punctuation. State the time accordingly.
6:09
